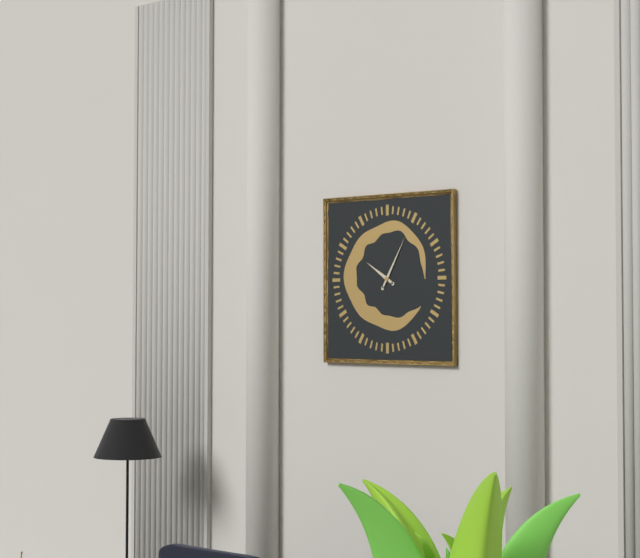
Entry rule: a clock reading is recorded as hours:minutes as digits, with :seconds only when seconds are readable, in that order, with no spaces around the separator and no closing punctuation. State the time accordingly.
10:05
